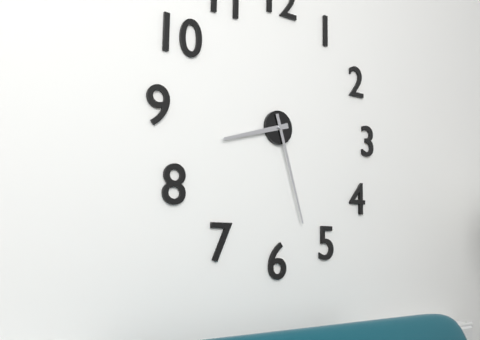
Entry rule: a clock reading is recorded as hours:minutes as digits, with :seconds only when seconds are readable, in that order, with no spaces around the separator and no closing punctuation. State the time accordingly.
8:27
